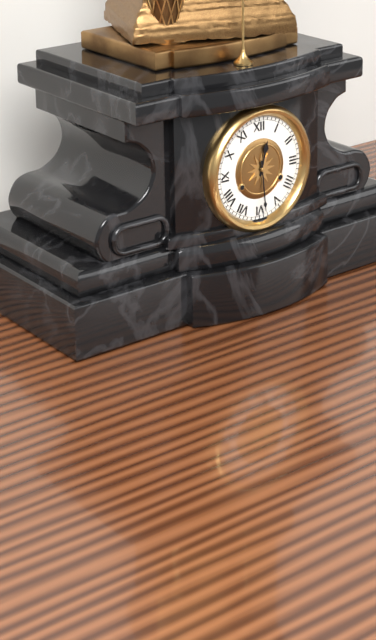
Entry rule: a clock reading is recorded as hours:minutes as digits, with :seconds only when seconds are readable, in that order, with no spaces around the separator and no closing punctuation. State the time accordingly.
12:29
